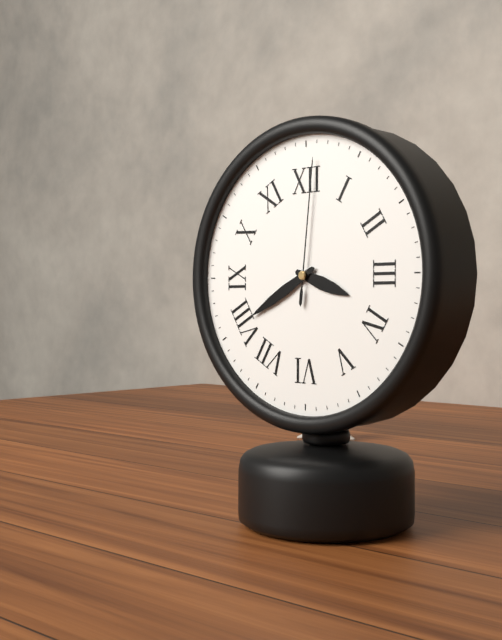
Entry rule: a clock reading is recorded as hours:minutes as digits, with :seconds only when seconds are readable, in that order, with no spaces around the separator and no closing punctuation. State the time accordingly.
3:40:01
